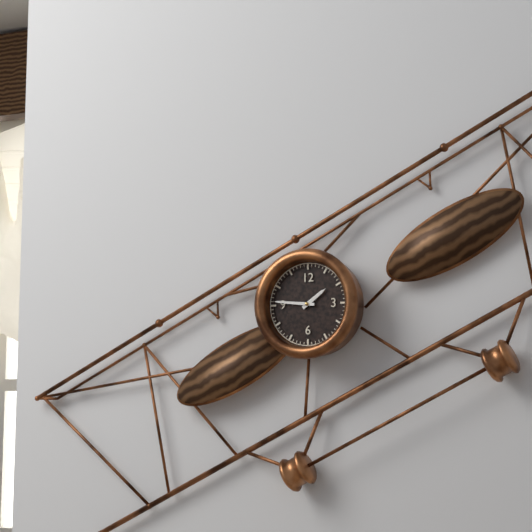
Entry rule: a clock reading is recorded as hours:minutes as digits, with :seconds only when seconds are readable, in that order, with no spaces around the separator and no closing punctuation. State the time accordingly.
1:46
